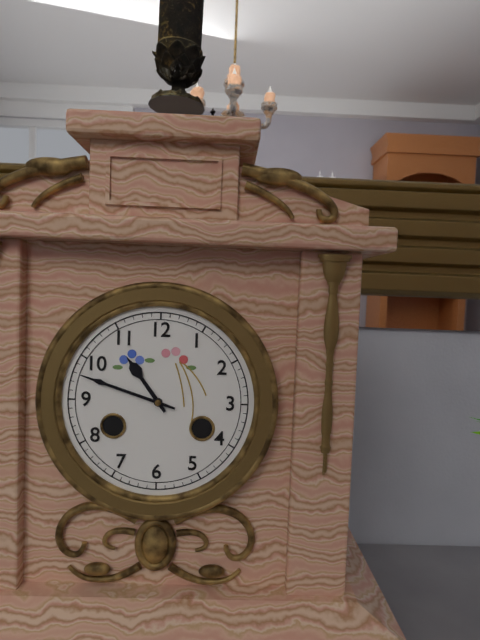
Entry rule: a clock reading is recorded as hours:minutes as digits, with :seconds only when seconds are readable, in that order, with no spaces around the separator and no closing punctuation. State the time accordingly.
10:48
